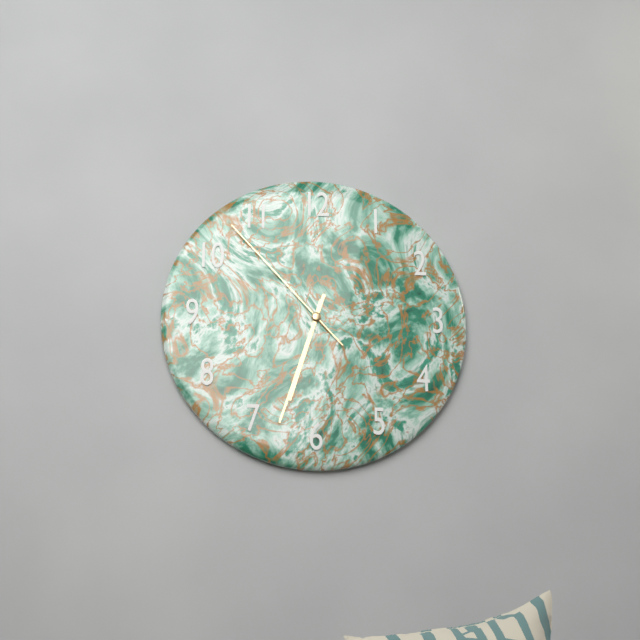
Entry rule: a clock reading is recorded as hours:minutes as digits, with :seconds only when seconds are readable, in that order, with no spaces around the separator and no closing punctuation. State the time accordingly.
6:33:53
